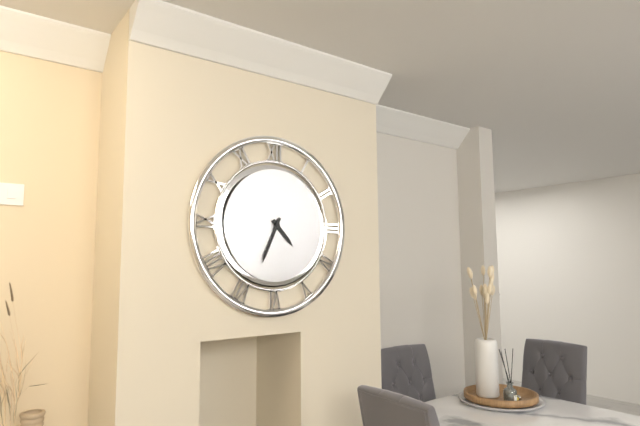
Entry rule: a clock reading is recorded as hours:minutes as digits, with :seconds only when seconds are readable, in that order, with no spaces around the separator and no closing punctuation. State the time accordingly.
4:34
